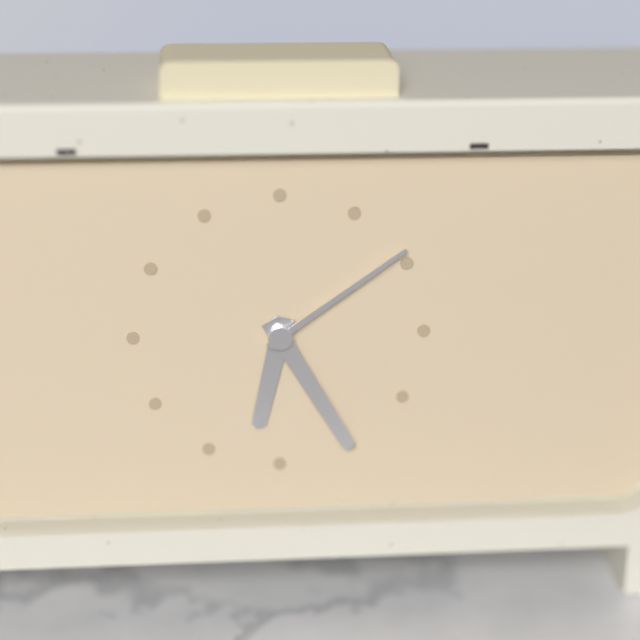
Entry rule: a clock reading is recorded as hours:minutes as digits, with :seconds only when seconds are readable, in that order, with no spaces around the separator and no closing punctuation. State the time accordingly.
6:25:09
